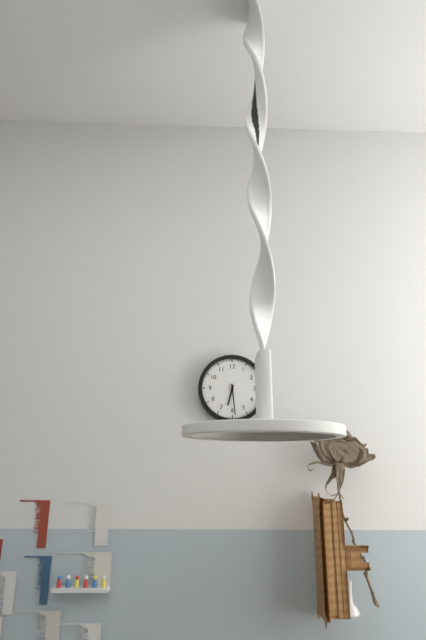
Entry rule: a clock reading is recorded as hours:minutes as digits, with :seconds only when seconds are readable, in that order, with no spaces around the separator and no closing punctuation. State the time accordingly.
6:29
